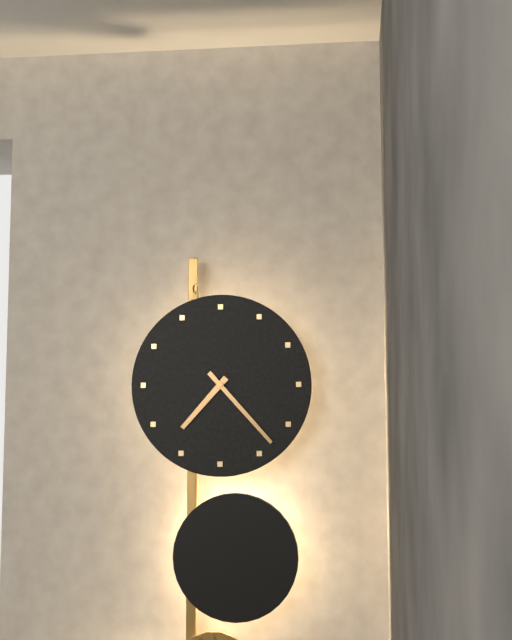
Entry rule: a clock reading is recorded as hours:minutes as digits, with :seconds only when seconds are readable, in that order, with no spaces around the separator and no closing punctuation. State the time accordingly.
7:23
